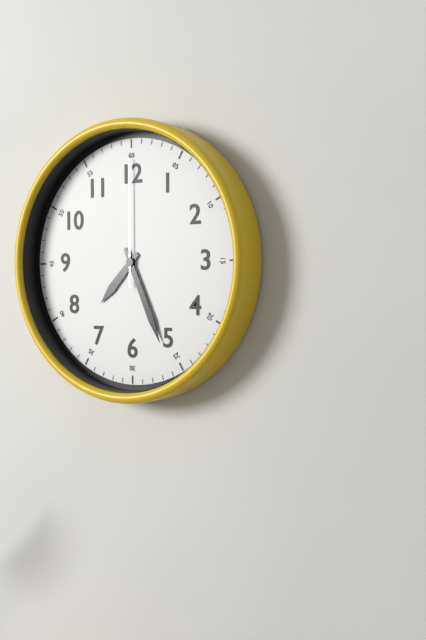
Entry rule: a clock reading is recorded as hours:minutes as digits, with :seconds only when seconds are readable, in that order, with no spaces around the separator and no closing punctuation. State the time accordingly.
7:26:00
